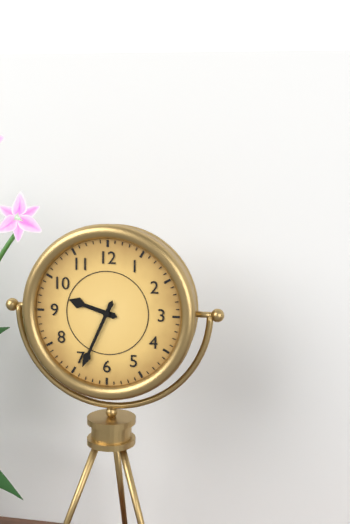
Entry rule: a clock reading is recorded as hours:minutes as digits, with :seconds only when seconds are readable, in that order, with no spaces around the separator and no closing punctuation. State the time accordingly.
9:34
